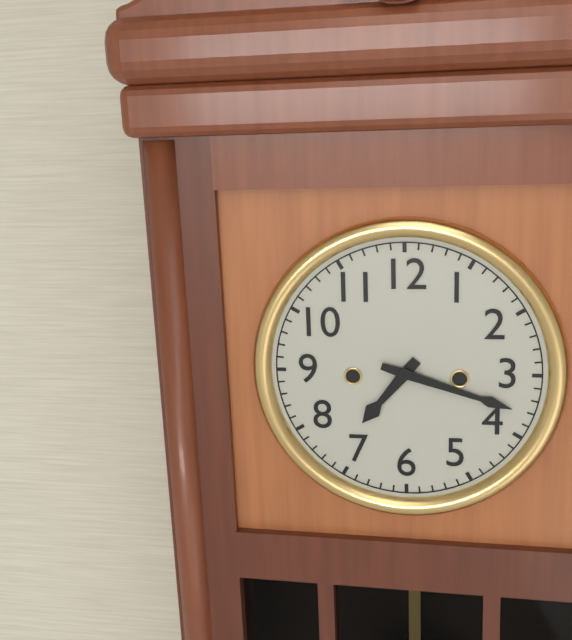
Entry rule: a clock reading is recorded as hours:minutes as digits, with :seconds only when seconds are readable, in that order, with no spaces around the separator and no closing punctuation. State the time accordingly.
7:18
